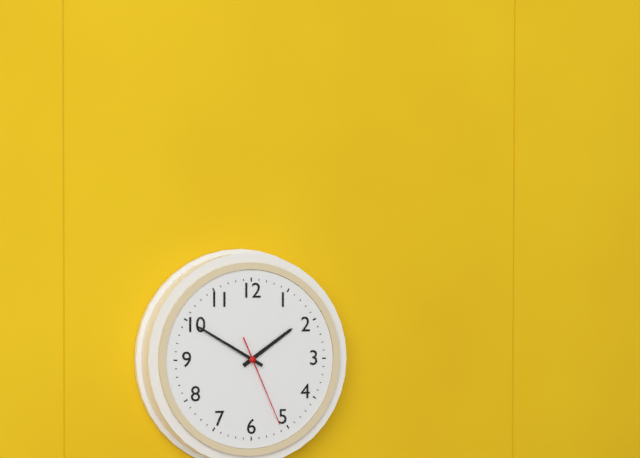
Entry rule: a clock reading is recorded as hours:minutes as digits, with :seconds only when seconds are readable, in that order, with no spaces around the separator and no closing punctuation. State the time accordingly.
1:50:26
